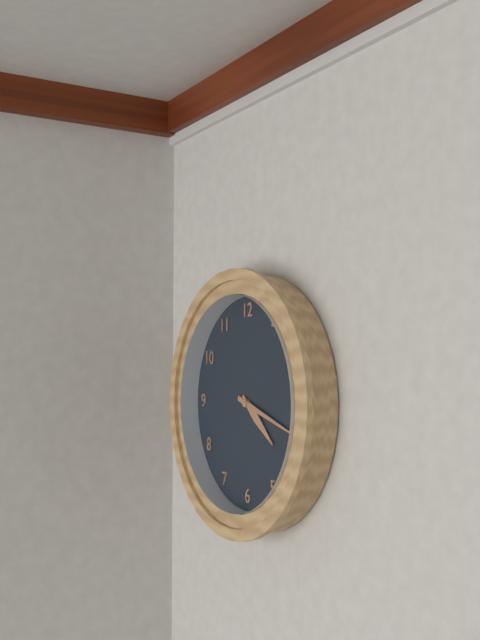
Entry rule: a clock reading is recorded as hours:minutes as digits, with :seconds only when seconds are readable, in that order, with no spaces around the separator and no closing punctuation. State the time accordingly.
4:18
